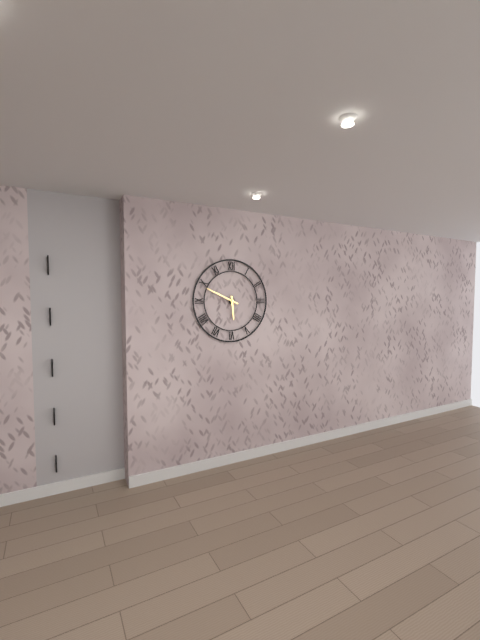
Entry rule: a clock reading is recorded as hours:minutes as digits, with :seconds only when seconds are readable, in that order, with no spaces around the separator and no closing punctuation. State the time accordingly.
5:49
